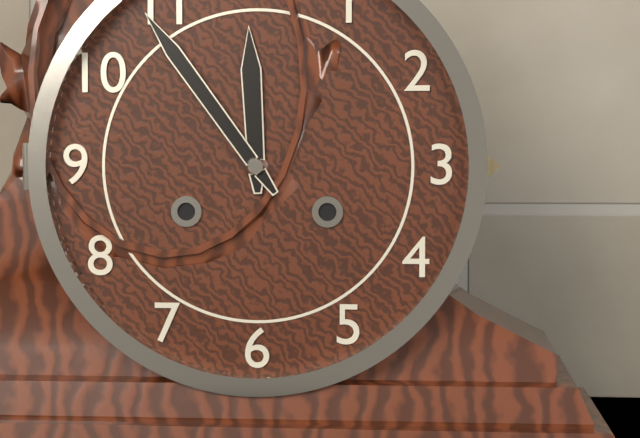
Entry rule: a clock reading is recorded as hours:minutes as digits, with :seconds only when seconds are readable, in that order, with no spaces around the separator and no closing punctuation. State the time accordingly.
11:54
